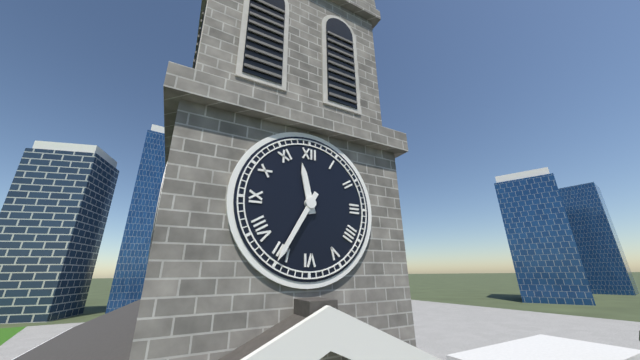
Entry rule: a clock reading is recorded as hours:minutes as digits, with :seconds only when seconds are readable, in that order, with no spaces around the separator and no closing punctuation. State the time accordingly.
11:35
